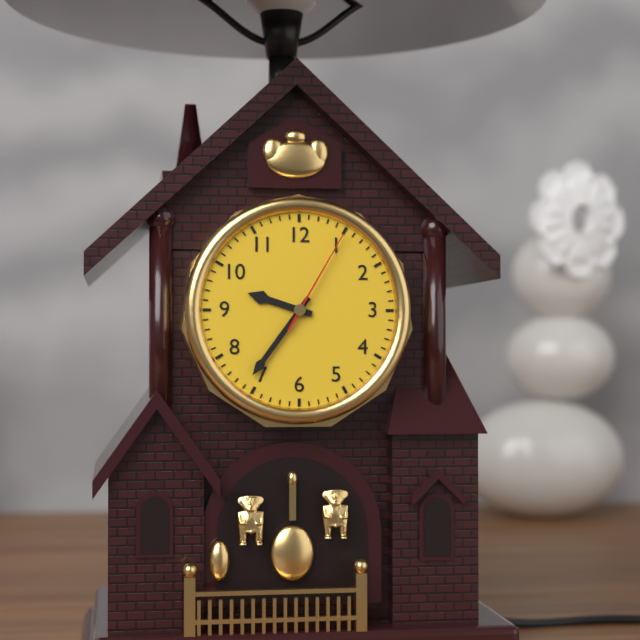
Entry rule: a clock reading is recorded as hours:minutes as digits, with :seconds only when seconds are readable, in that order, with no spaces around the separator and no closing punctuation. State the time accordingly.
9:36:05
